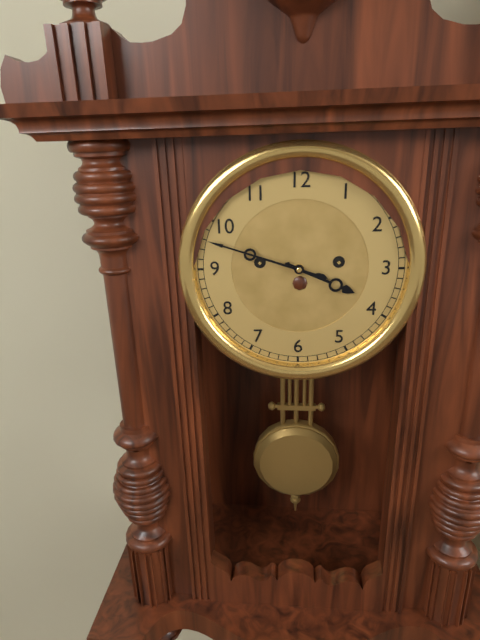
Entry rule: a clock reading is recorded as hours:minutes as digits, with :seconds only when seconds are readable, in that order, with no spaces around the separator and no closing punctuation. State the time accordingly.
3:48
